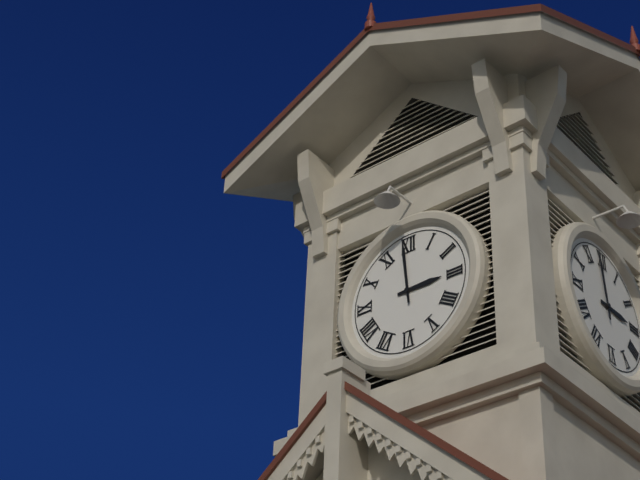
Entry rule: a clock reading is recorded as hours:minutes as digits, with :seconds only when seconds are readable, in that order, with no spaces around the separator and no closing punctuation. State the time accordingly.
2:59
